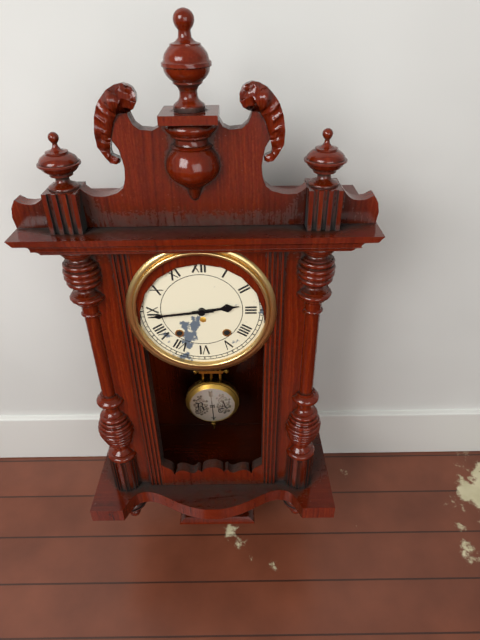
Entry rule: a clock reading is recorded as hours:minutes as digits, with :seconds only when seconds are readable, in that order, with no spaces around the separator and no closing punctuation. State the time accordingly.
2:44
